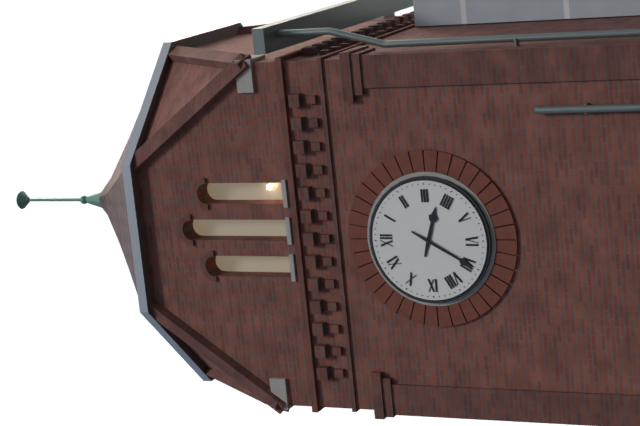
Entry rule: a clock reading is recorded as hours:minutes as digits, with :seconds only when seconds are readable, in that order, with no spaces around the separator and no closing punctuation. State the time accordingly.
3:35
